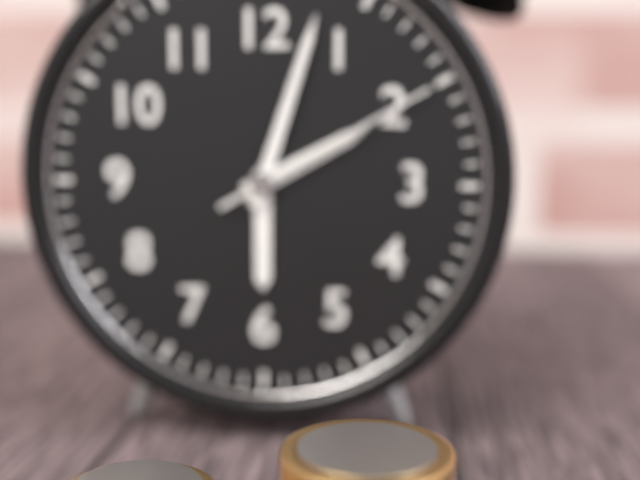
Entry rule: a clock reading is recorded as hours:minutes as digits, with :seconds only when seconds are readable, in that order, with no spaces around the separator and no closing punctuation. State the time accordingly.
2:03:10
